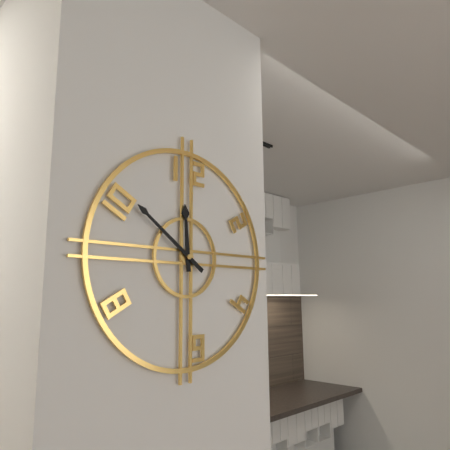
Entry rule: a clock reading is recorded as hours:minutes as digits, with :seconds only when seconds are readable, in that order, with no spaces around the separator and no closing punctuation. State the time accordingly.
11:51
